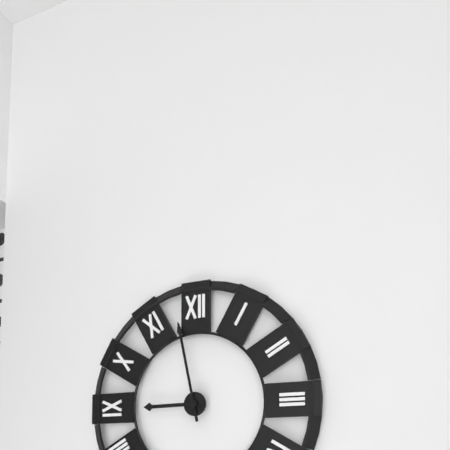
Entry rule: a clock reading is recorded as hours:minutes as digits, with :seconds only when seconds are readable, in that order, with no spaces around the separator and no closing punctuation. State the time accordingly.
8:58
